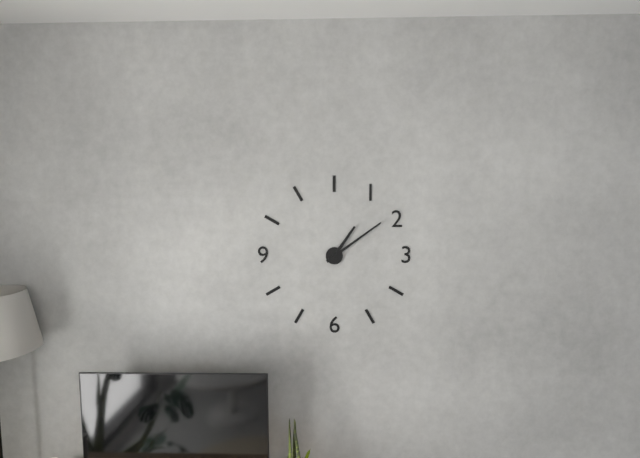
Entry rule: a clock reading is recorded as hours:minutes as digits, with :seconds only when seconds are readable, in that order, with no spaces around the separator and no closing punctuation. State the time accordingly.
1:09
